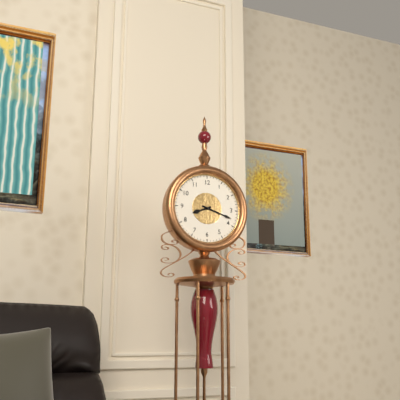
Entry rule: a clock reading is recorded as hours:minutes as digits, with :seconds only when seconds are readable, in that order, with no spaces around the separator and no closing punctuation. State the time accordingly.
8:18
